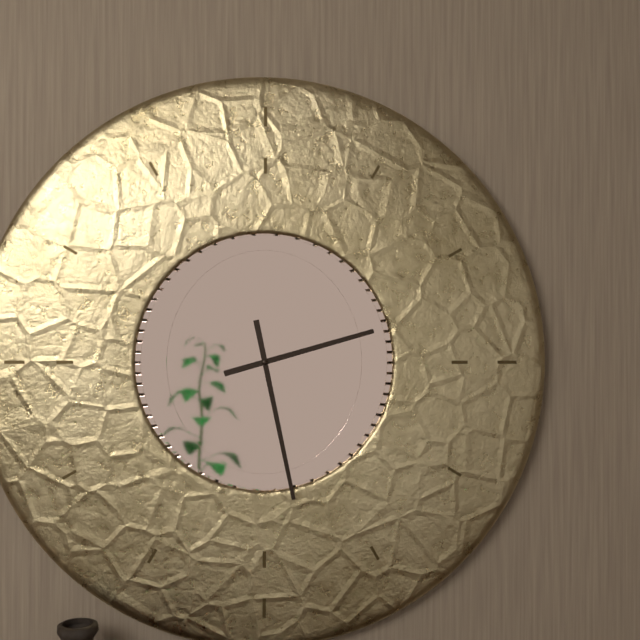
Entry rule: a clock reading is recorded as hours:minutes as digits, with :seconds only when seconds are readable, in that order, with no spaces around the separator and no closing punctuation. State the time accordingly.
2:28
